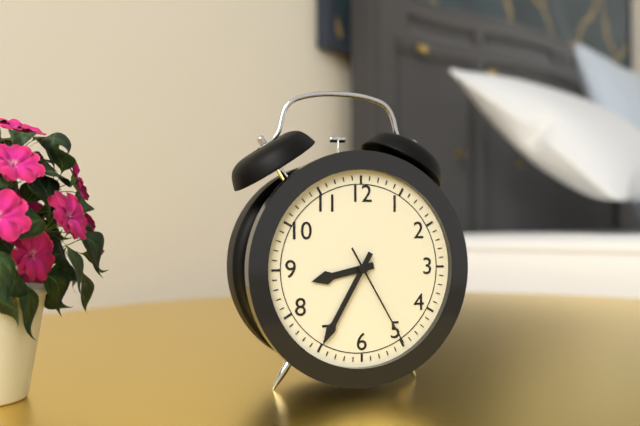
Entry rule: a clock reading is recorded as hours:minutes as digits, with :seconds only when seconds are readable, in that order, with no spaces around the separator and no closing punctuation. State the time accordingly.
8:35:25
